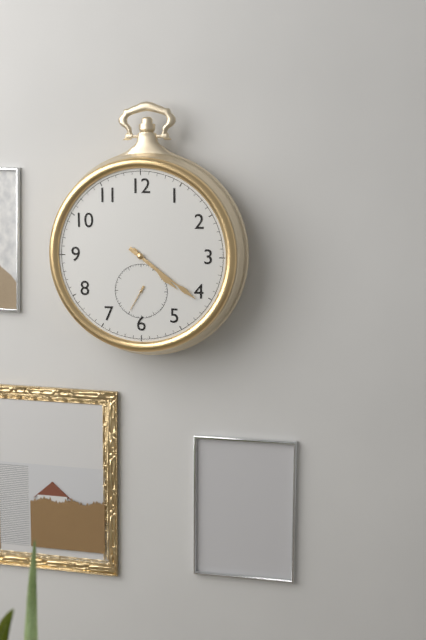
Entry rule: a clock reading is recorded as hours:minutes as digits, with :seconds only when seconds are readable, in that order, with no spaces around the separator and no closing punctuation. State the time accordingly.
4:21
